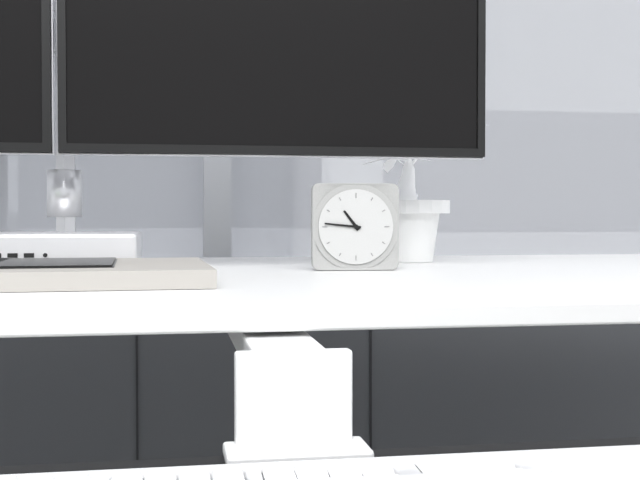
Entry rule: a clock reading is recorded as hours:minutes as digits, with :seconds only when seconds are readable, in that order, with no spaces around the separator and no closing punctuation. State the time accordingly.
10:46
